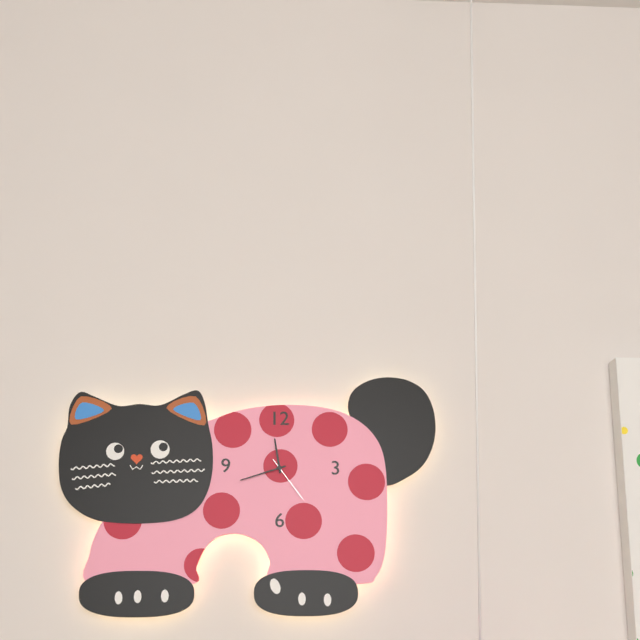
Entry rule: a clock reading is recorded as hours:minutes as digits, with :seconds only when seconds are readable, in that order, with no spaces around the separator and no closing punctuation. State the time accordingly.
11:42:24
